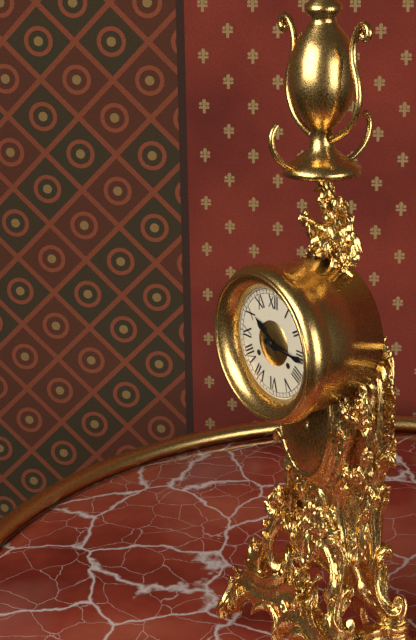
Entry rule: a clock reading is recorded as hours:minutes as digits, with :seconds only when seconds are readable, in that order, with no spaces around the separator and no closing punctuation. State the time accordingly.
10:16
